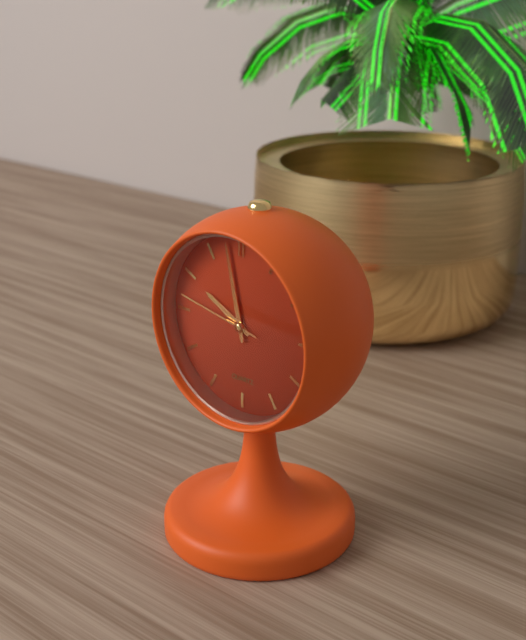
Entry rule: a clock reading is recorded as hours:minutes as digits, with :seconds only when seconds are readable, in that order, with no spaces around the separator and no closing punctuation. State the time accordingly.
9:58:47
